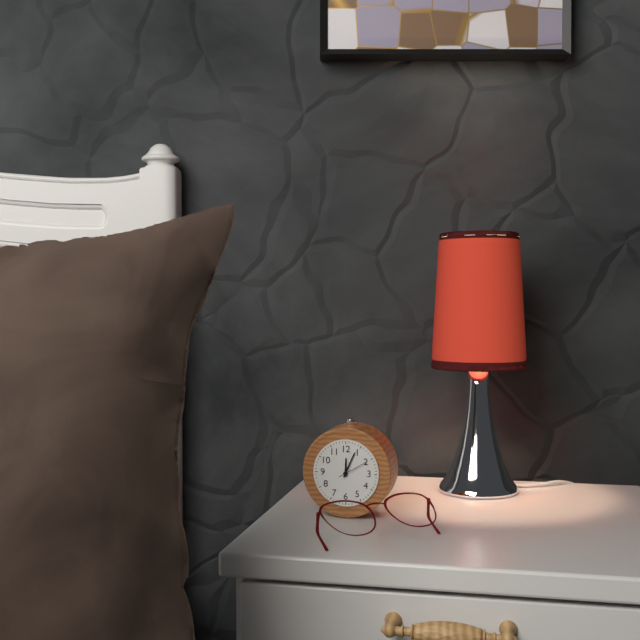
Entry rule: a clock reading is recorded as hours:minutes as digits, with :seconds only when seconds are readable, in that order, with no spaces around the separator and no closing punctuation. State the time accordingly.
12:04
